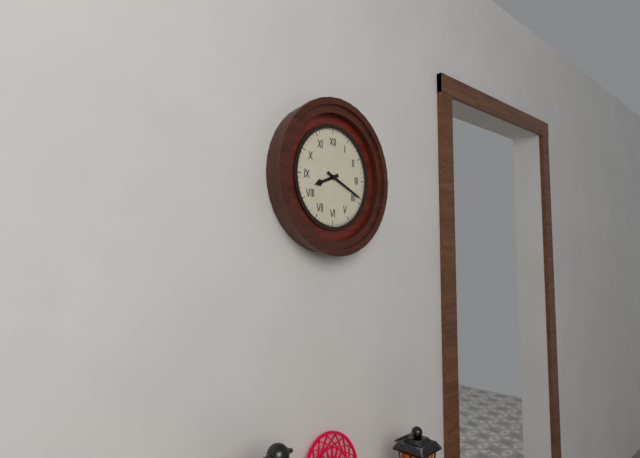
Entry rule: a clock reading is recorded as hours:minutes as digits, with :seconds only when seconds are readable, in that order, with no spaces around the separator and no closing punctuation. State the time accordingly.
8:19
